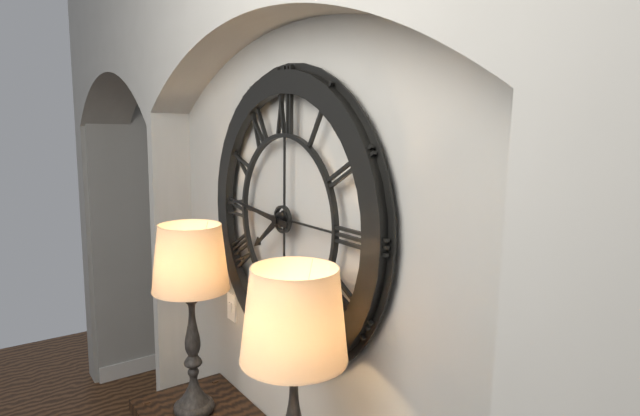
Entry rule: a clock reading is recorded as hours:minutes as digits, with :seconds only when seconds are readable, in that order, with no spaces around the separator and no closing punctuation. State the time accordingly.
7:46
